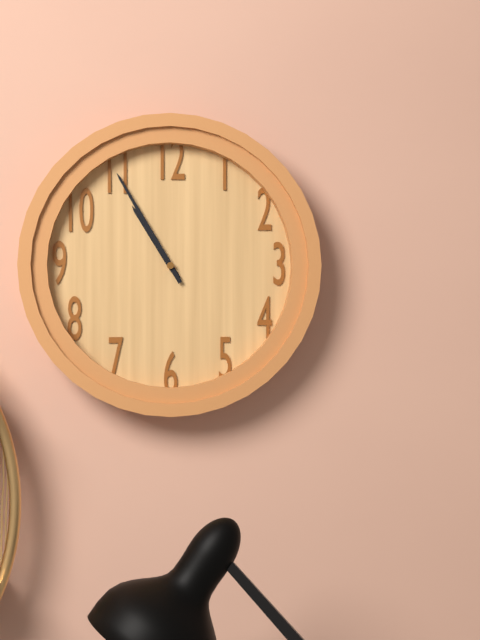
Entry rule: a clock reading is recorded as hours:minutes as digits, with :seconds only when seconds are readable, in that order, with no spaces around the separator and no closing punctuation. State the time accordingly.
10:55
